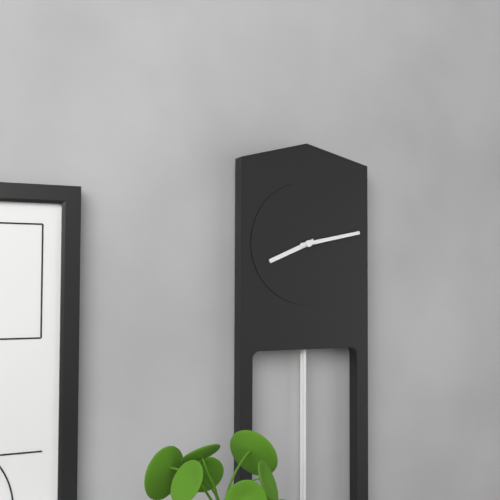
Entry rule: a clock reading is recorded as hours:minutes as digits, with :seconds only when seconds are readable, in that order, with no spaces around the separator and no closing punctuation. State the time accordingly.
8:13
